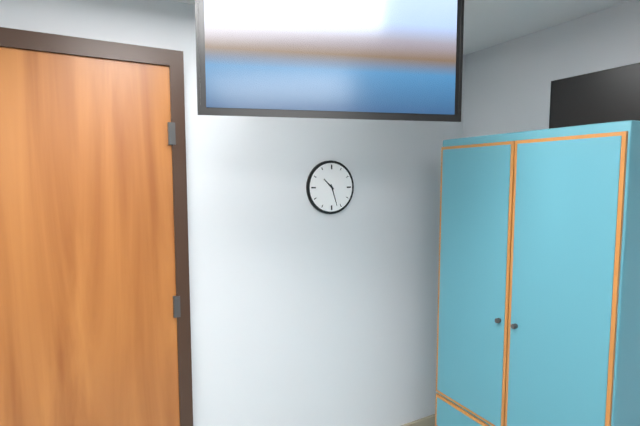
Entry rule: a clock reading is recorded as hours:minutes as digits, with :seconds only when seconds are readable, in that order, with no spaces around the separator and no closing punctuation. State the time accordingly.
10:27
